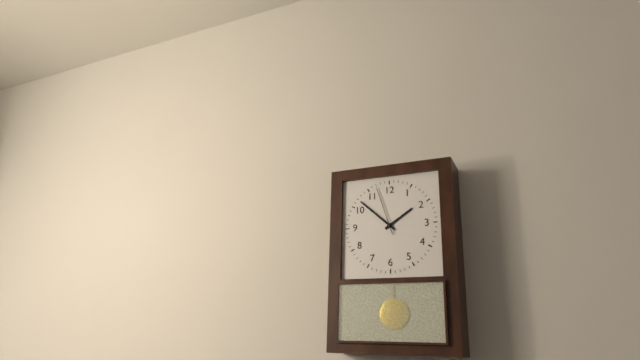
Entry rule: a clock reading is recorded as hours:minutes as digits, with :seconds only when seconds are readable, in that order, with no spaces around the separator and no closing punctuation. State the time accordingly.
1:52:57
